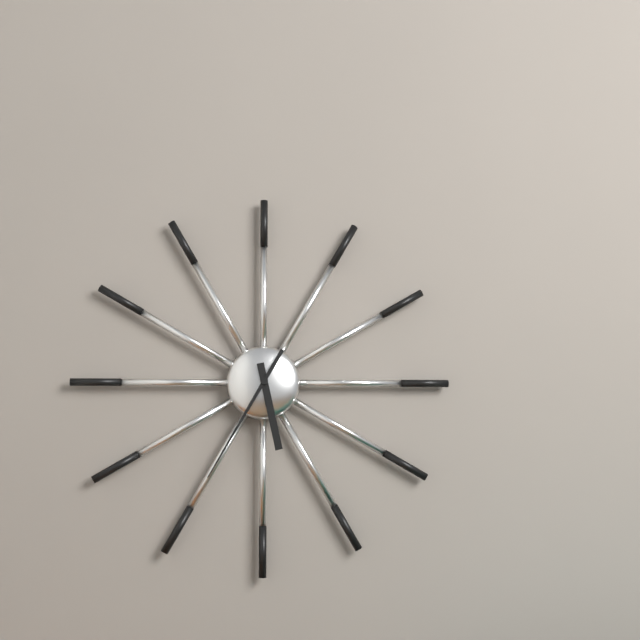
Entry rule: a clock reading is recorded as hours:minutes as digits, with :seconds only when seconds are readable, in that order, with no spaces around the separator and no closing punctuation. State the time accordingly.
5:35
